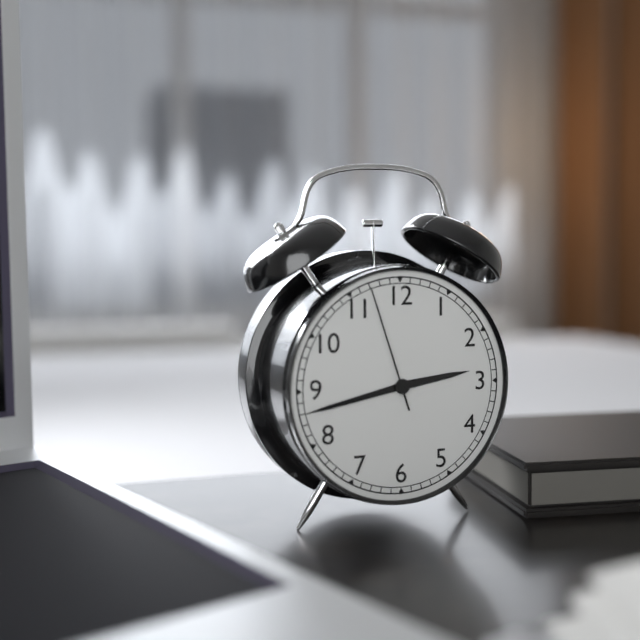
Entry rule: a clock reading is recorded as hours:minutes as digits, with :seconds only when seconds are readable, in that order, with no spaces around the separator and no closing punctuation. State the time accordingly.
2:43:57
